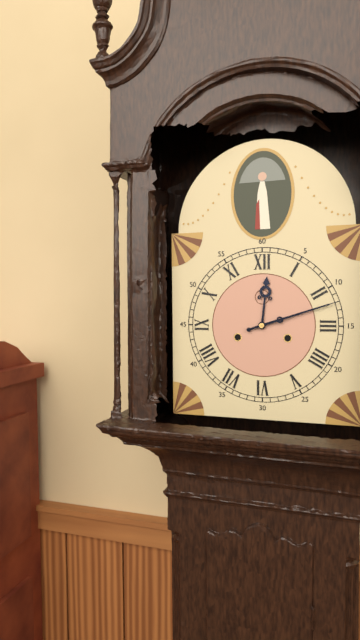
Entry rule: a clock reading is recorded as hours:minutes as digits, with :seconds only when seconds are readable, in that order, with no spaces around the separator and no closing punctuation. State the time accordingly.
12:12
